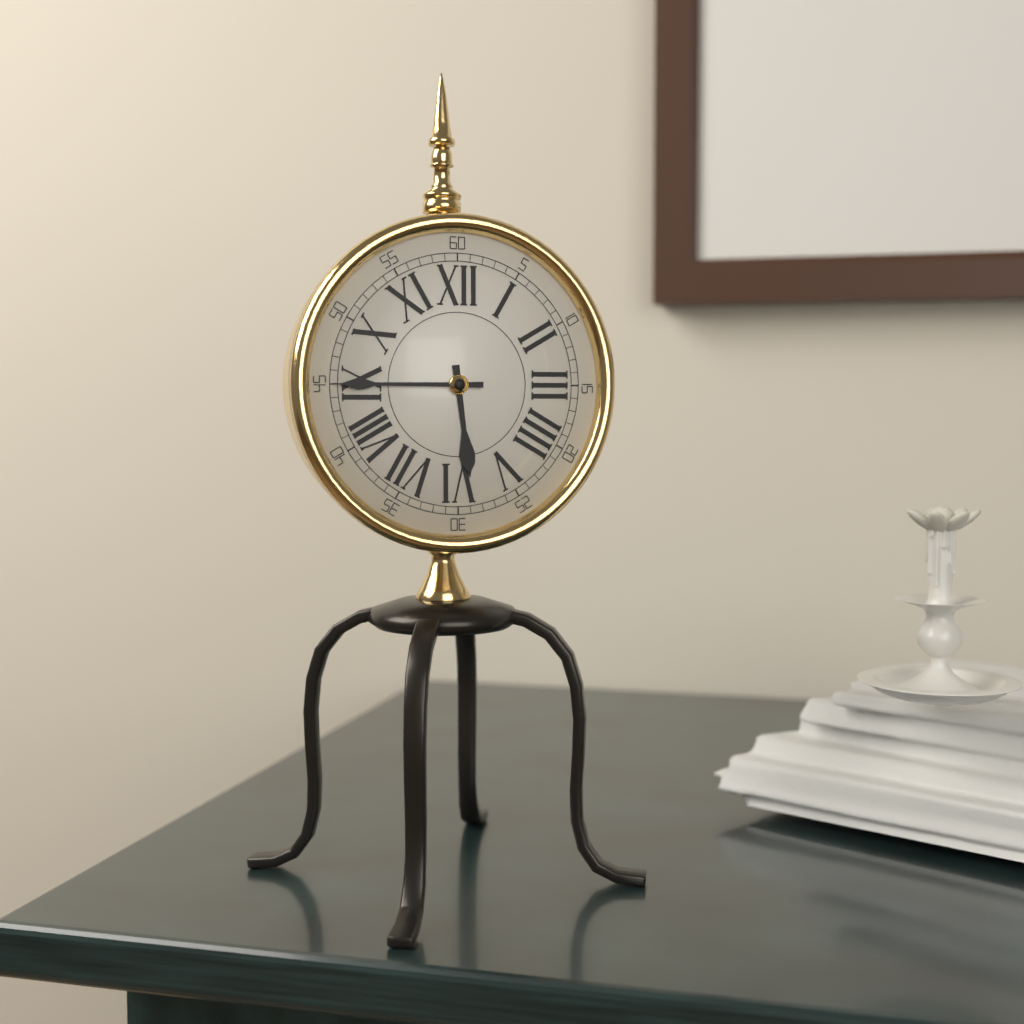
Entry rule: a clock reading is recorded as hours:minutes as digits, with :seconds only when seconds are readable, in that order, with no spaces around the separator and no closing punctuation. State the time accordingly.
5:45
